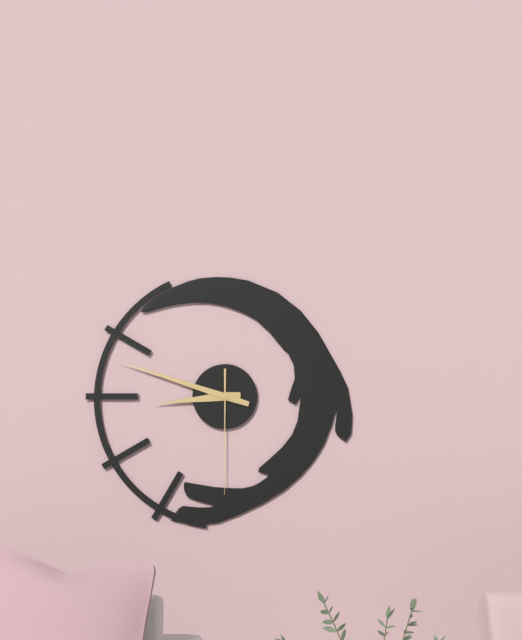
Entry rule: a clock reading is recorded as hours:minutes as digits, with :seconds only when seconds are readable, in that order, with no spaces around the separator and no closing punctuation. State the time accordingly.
8:48:30
